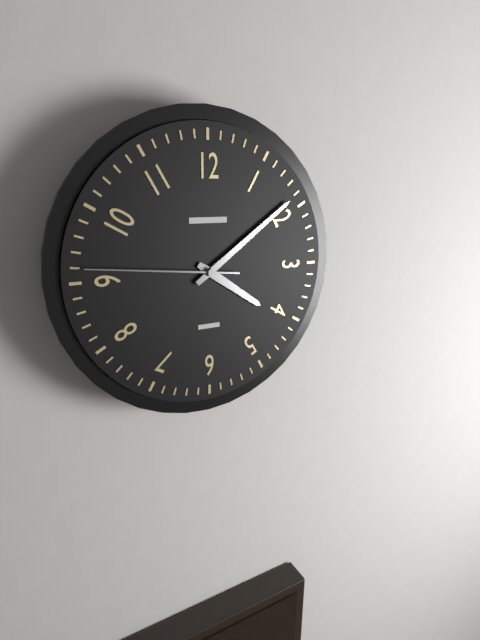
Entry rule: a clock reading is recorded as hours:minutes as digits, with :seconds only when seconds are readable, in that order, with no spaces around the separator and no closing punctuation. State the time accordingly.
4:09:46
